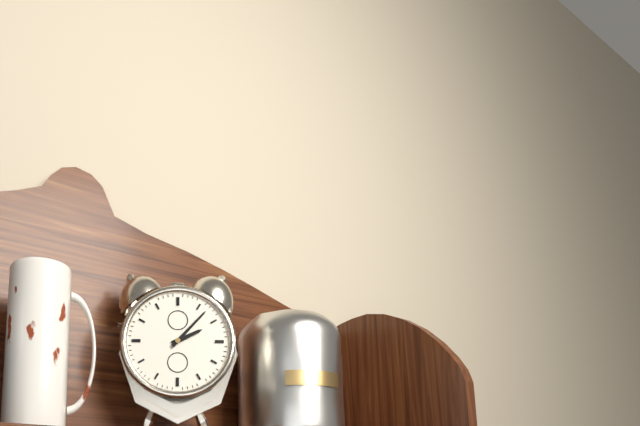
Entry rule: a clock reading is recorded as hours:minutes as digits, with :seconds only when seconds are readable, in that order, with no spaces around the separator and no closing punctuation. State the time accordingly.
2:07
